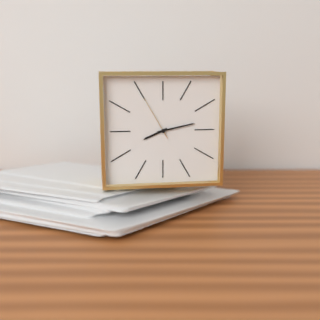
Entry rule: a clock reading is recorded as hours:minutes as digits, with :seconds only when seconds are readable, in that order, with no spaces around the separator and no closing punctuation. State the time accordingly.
8:13
